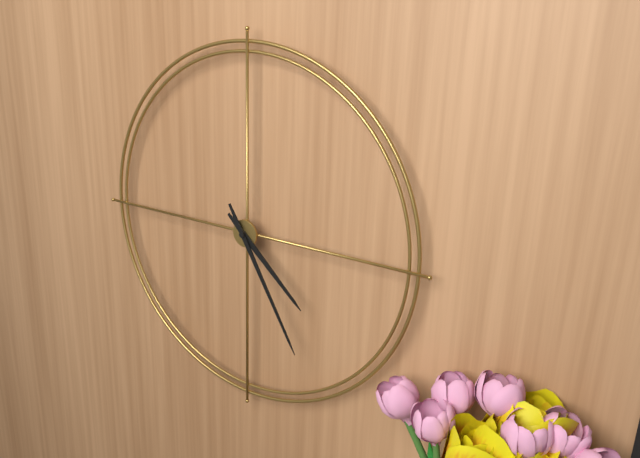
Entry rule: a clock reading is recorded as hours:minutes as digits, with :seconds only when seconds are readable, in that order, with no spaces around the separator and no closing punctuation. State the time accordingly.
4:25
